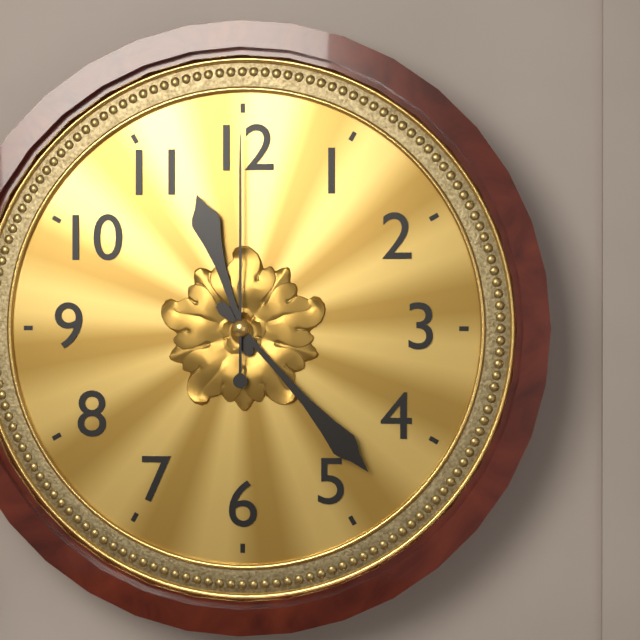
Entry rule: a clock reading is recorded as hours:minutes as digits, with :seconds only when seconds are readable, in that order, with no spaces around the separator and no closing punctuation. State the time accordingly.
11:23:00
